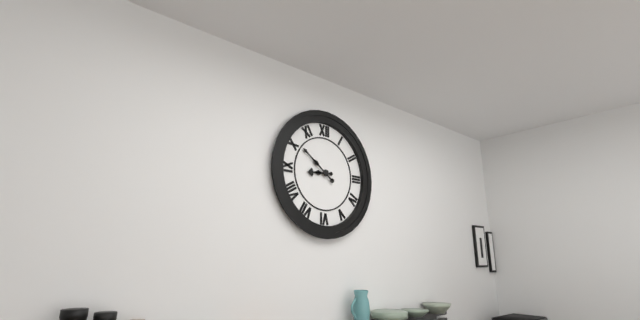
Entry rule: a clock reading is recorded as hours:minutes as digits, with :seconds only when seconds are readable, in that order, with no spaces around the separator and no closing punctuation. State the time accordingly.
8:51
